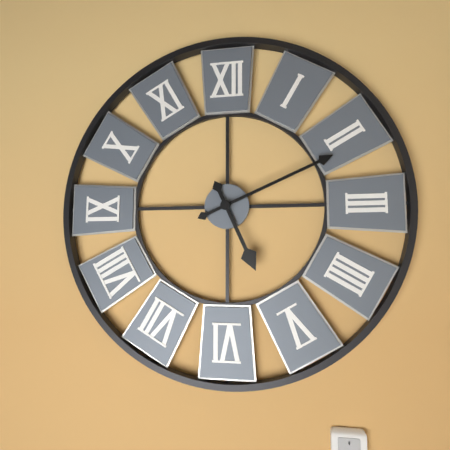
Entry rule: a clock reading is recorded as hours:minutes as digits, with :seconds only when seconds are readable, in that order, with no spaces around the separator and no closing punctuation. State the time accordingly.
5:11
